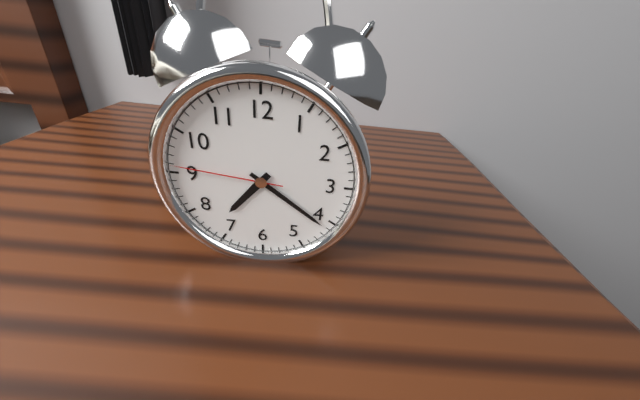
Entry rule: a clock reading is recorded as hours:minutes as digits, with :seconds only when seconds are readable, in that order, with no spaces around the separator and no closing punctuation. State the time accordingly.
7:21:46
